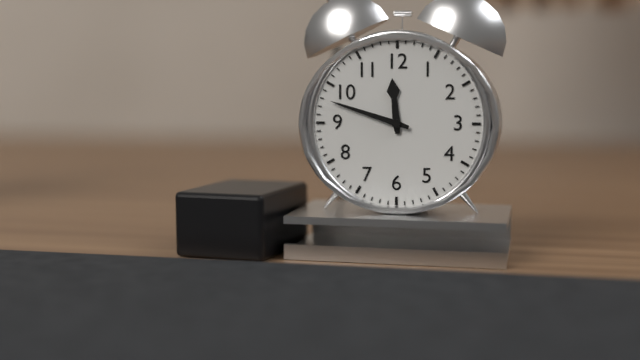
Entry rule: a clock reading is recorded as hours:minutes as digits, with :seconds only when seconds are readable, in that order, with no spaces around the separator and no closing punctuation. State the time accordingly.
11:48
